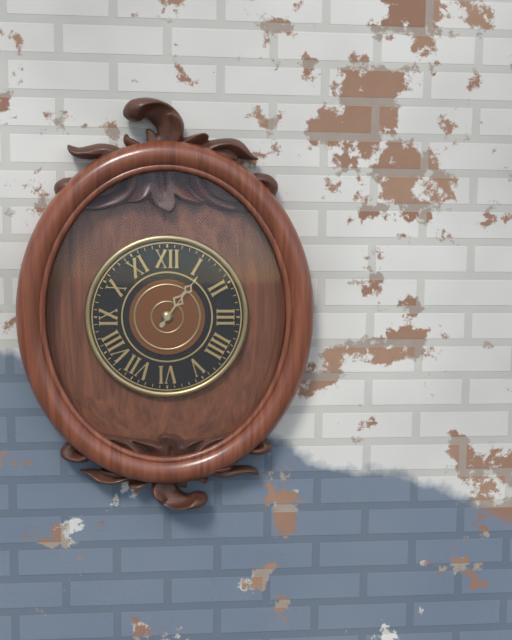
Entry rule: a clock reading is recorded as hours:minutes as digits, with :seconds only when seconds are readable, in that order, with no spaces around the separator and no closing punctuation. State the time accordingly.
1:06
